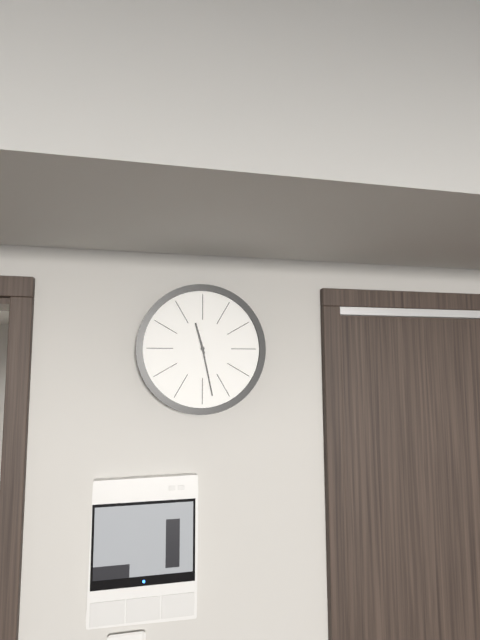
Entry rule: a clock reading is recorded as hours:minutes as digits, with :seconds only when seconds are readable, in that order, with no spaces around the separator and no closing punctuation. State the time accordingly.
11:28
